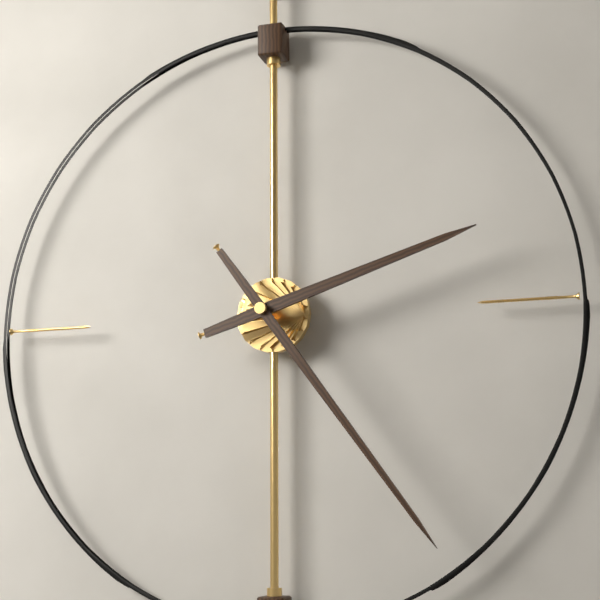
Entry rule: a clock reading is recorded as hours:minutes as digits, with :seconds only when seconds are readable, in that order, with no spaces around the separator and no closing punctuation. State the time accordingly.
2:24
